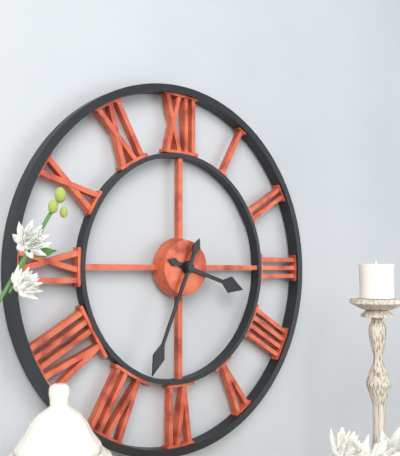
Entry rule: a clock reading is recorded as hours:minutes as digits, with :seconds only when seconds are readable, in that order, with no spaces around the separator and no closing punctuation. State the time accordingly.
3:34
